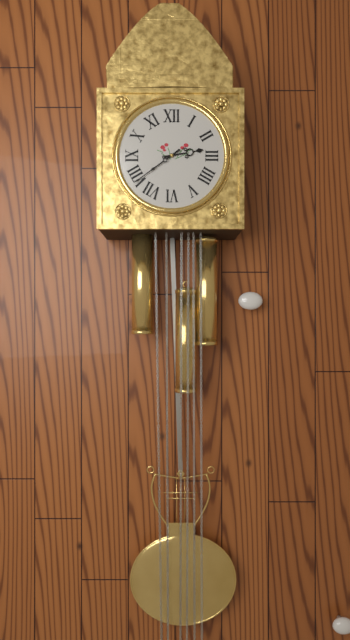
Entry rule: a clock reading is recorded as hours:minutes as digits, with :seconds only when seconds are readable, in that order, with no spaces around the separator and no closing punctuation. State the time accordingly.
2:39
